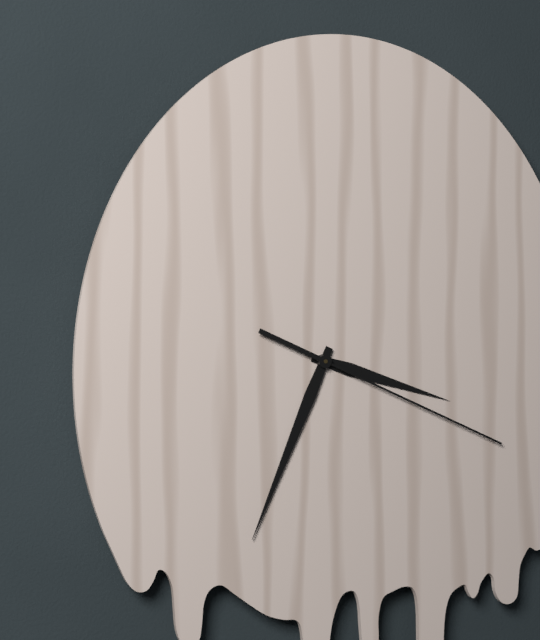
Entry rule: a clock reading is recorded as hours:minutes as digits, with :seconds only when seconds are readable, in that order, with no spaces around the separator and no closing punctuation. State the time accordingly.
3:34:19
